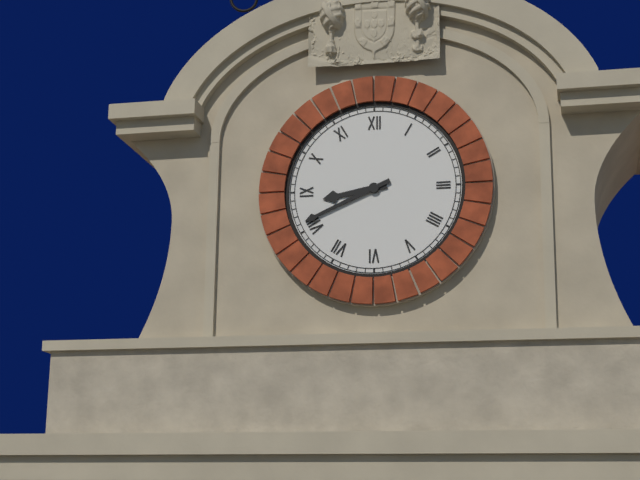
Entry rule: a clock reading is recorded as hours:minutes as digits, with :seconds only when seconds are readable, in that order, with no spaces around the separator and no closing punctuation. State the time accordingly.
8:41
